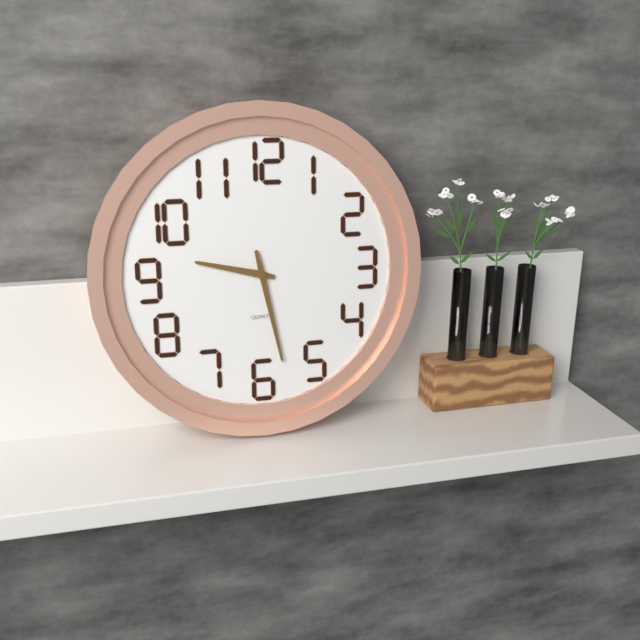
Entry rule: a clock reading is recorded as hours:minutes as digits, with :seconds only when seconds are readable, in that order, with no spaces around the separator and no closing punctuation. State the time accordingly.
9:28
